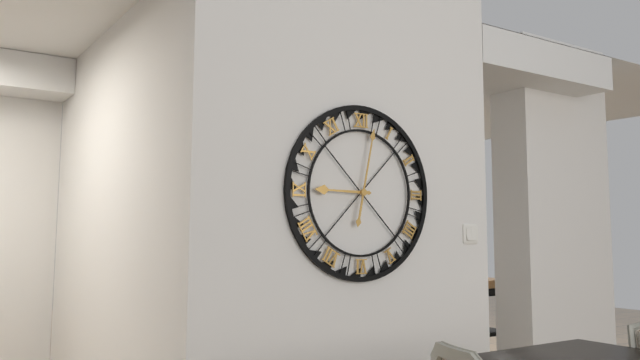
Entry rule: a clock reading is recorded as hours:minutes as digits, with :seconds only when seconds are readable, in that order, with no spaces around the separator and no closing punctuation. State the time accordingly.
9:02
